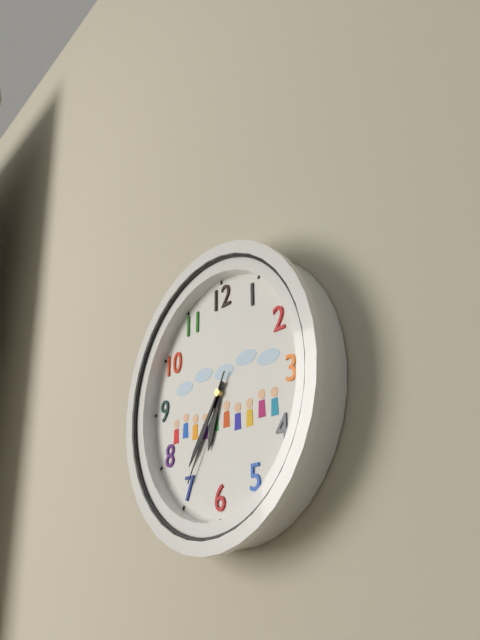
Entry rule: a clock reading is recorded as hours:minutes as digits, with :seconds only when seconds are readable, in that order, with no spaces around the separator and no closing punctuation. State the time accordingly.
6:36:35
